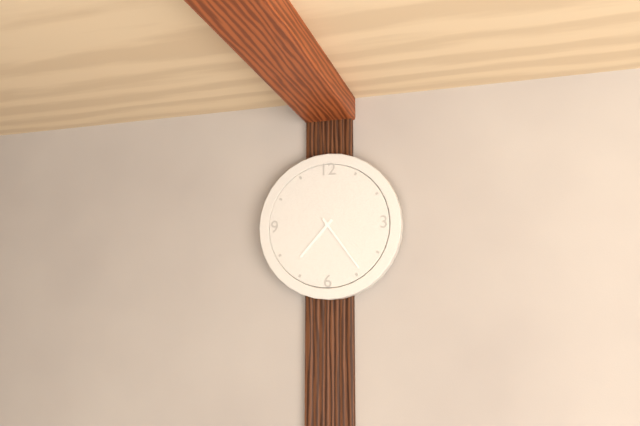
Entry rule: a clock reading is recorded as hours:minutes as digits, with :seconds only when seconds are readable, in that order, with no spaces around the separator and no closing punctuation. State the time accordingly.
7:24
